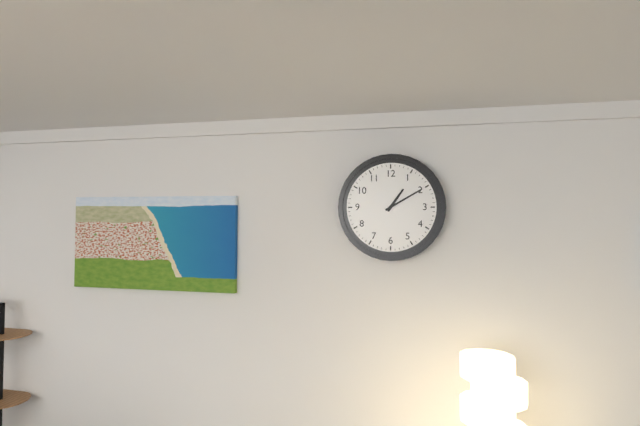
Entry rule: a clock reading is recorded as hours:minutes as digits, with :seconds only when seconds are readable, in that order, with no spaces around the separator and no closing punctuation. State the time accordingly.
1:10
